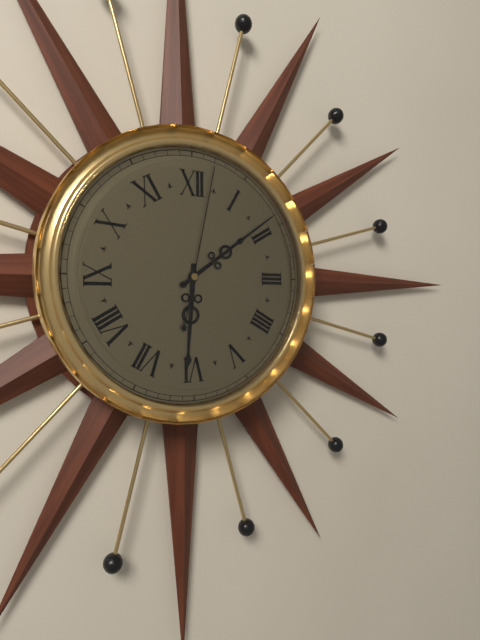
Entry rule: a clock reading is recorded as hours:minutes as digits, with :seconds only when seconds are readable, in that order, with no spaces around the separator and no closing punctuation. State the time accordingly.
6:09:02
